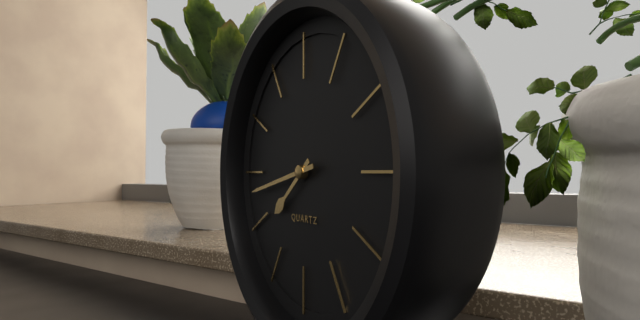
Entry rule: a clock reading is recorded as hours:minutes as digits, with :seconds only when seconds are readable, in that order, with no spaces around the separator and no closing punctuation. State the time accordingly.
7:43
